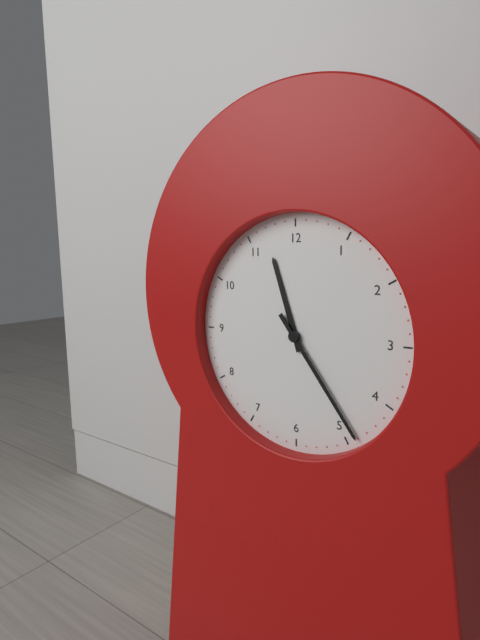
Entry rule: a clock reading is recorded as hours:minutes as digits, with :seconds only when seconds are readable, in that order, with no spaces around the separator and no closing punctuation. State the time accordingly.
11:24
